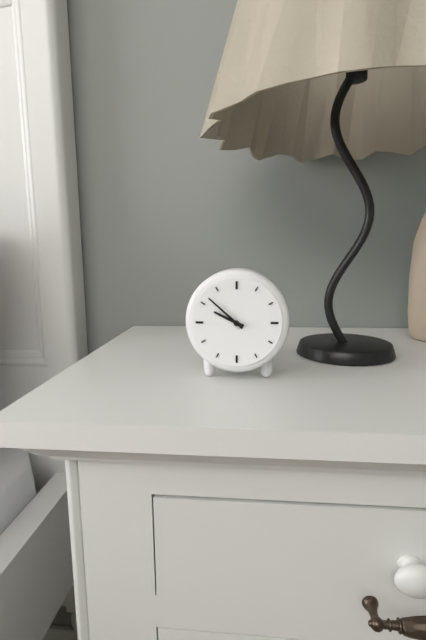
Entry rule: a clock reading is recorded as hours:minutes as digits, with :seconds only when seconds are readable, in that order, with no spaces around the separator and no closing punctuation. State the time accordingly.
9:52
